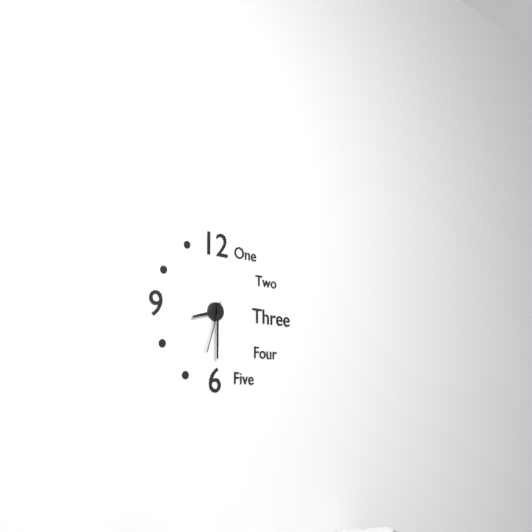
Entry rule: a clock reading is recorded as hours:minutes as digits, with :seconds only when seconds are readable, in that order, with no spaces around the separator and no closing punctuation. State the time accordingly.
8:30:33
